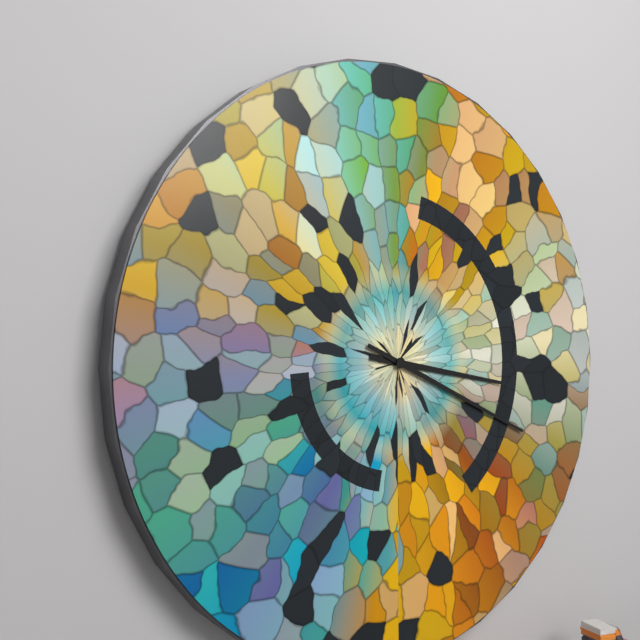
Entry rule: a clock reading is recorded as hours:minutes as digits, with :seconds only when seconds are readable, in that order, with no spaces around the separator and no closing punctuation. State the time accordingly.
3:19
